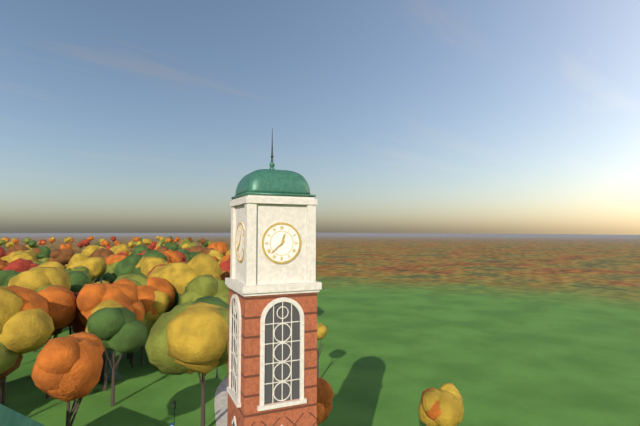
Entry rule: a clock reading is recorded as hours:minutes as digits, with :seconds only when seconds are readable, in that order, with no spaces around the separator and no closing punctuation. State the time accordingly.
12:38
